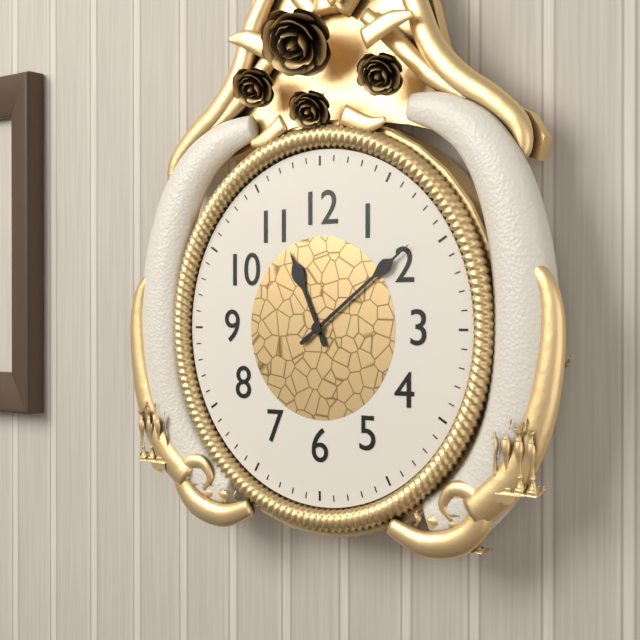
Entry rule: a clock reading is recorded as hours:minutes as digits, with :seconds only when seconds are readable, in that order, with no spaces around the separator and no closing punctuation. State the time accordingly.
11:09
